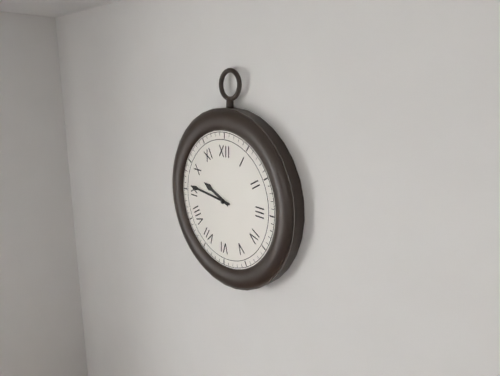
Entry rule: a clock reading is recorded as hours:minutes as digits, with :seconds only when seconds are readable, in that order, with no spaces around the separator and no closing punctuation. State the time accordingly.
9:46
